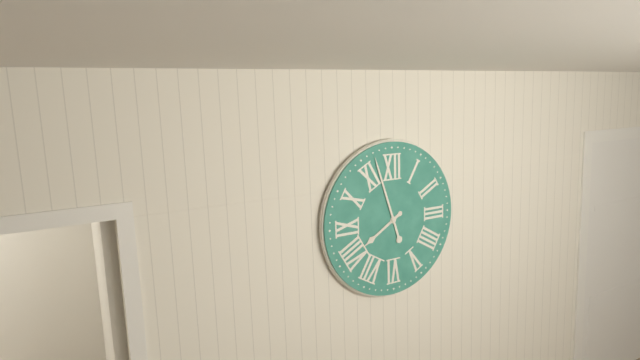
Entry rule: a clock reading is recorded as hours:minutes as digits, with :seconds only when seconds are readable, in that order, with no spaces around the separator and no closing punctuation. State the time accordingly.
7:57
